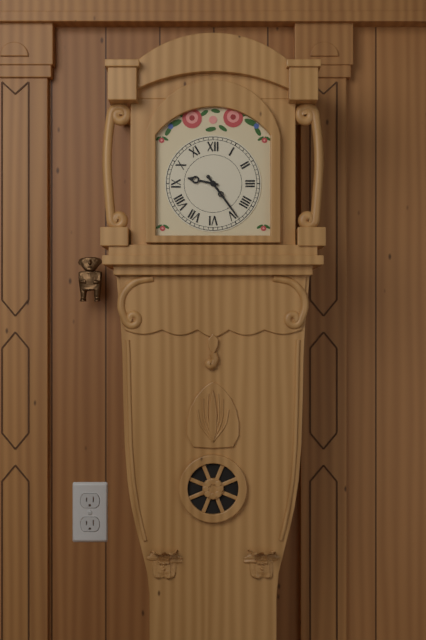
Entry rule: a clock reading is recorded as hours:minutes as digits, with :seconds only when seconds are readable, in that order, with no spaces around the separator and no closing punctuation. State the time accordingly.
9:24
